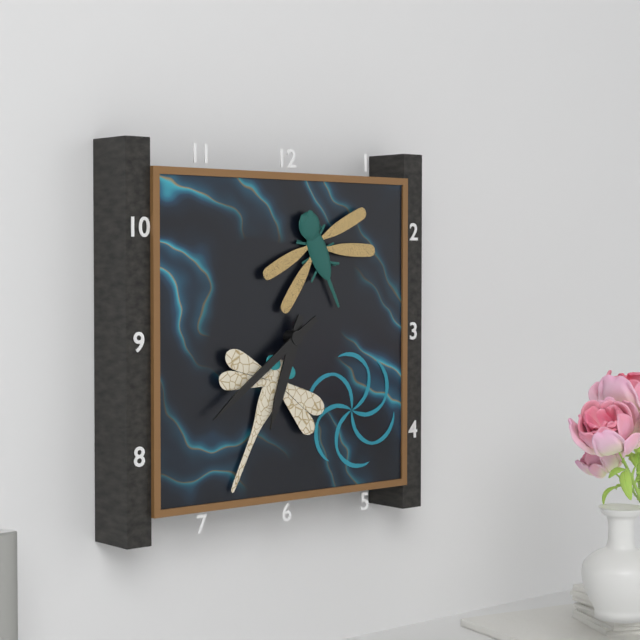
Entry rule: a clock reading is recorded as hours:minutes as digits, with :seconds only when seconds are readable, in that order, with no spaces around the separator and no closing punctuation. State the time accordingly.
6:39
